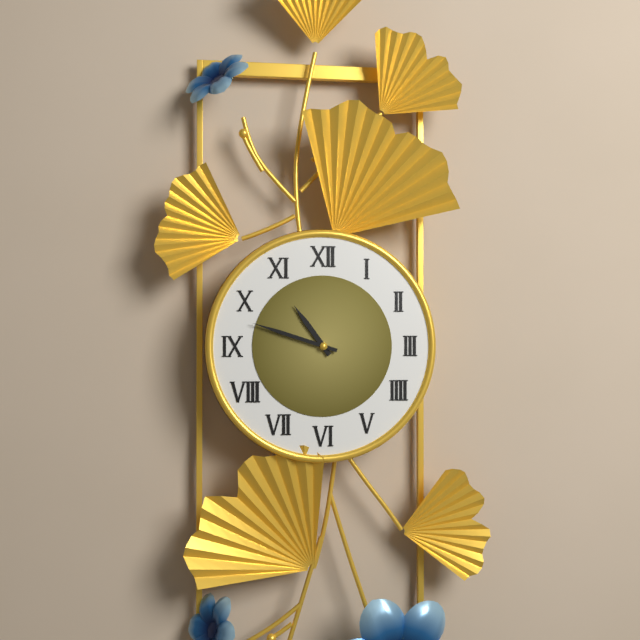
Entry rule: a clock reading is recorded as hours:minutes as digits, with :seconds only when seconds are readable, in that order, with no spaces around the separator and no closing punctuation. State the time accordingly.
10:48
